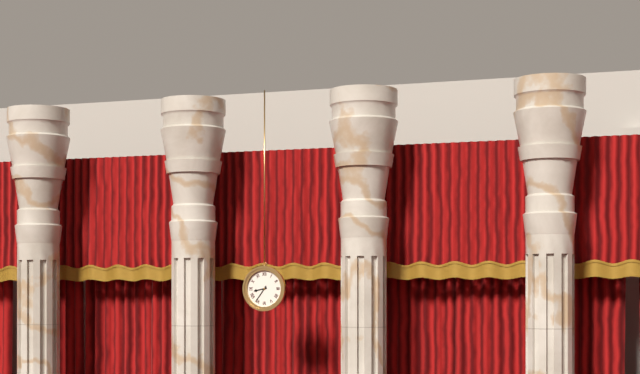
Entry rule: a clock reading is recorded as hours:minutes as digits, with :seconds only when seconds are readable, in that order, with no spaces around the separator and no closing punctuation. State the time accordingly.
8:36
